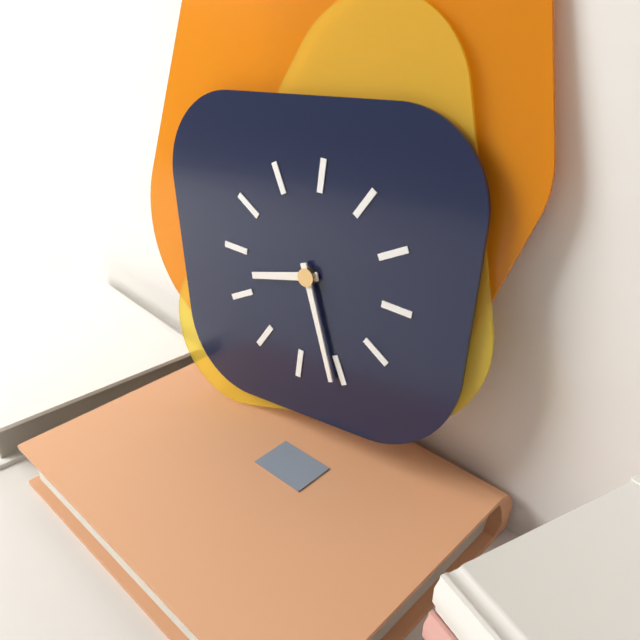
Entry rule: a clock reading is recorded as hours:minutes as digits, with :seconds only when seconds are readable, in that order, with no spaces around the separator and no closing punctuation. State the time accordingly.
8:26
